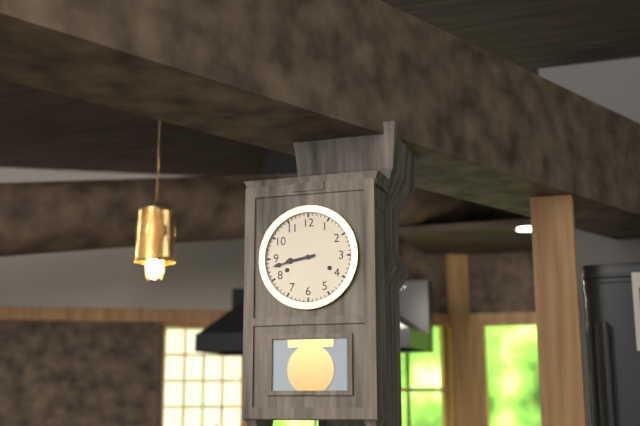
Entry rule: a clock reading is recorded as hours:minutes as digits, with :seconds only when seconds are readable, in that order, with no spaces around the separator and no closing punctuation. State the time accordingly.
8:43
